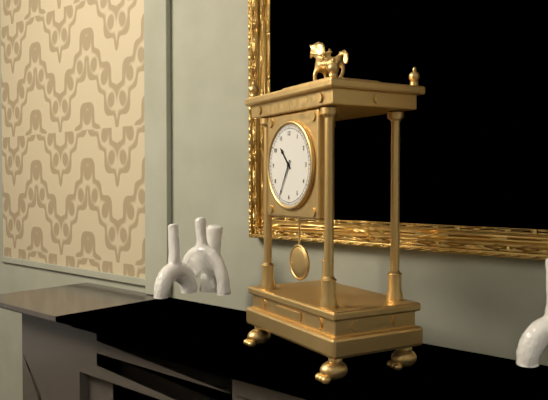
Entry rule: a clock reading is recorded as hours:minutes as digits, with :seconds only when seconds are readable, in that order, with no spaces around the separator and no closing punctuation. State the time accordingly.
10:35
